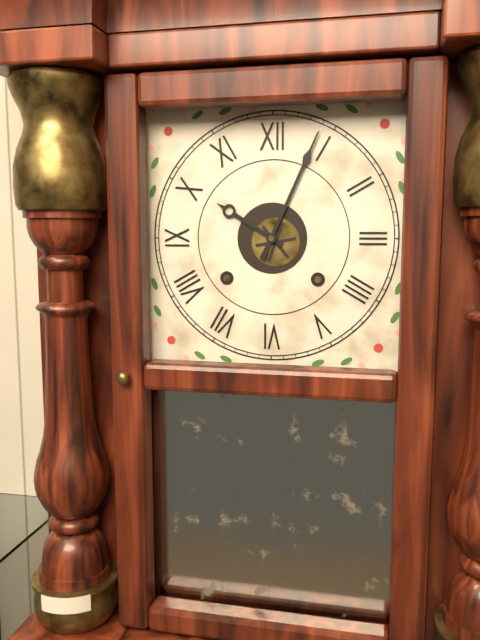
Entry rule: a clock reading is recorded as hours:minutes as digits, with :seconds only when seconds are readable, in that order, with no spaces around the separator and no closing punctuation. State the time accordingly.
10:04
